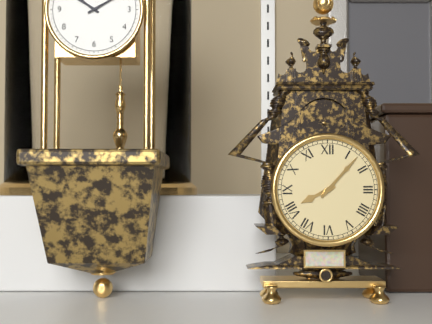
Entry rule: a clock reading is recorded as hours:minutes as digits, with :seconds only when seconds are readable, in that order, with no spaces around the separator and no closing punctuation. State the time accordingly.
8:07
